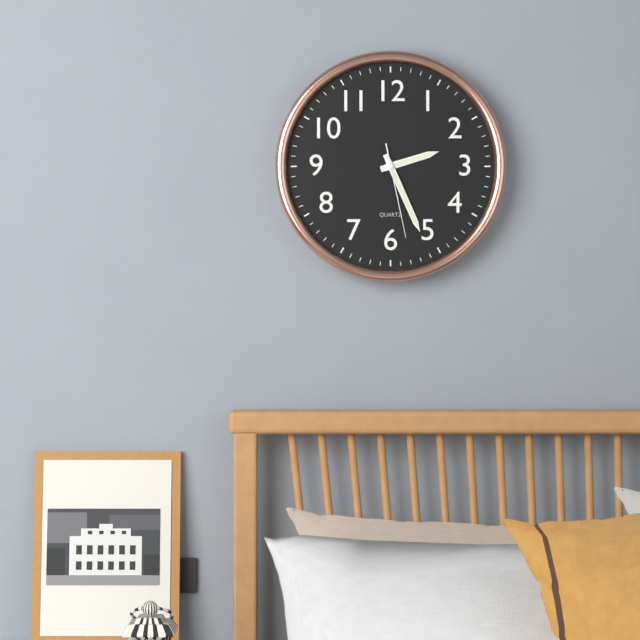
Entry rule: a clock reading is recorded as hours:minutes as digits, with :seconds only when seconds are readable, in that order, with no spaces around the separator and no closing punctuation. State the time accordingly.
2:26:28
